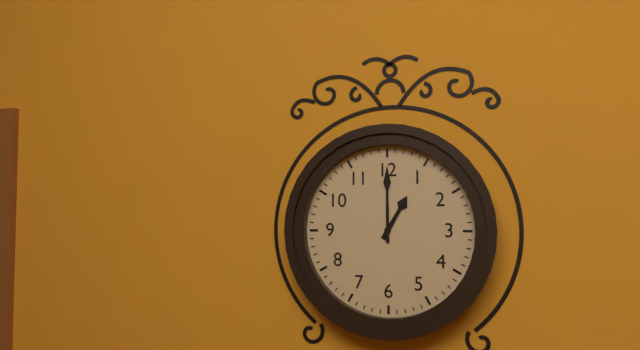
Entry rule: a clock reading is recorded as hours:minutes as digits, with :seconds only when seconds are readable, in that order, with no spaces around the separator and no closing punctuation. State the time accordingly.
1:00
